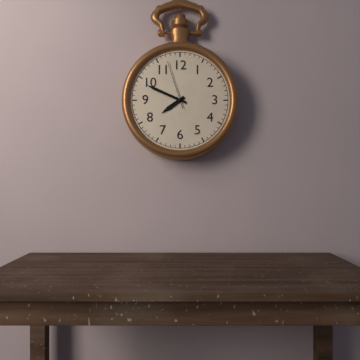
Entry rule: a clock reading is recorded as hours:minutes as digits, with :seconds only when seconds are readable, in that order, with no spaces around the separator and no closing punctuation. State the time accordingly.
7:49:57
